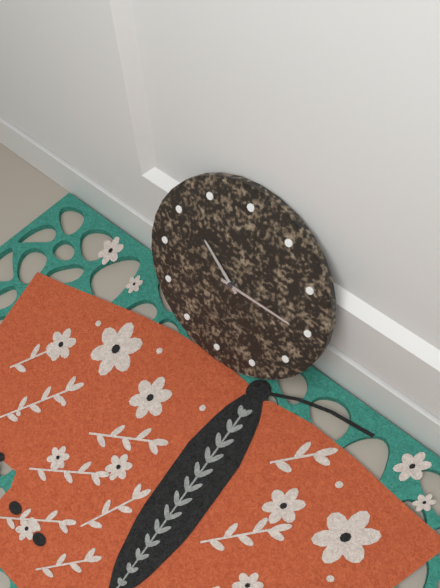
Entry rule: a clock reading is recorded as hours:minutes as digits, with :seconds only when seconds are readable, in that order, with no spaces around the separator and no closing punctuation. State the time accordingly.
10:15
